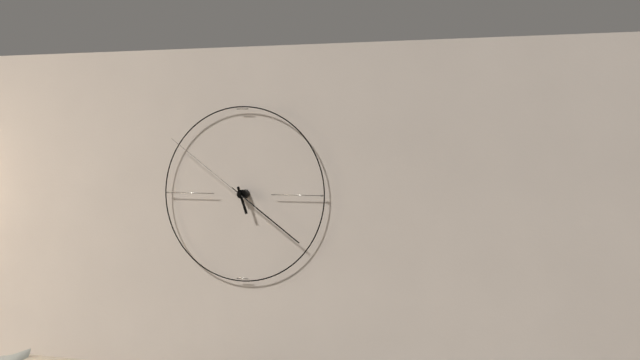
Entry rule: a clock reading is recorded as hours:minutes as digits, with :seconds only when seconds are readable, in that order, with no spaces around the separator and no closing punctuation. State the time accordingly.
5:21:51
